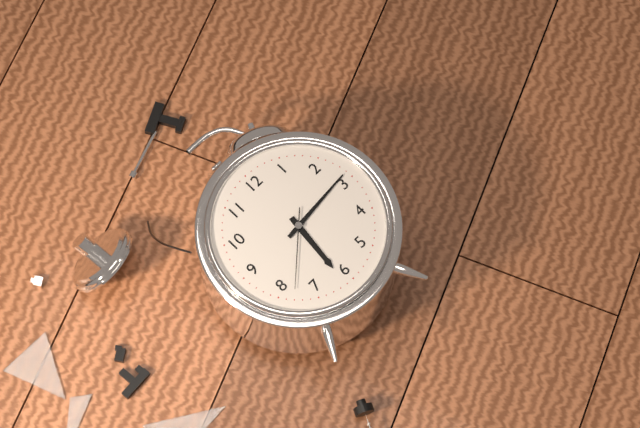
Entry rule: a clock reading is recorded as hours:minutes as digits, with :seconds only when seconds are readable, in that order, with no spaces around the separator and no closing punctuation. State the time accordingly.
6:14:38
